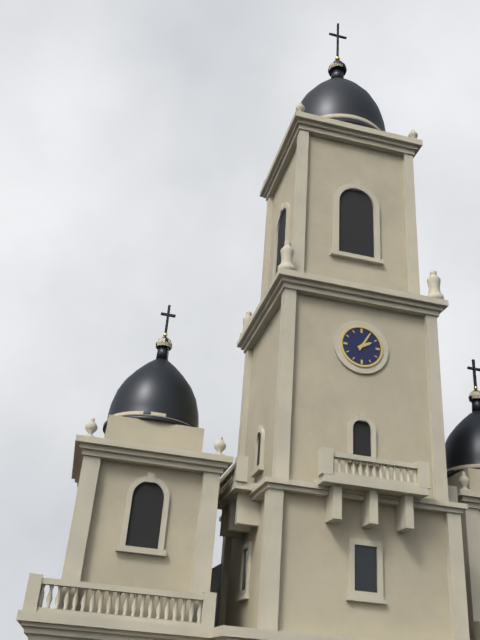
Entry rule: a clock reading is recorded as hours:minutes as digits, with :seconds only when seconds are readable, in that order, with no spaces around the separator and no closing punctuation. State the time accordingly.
2:05
